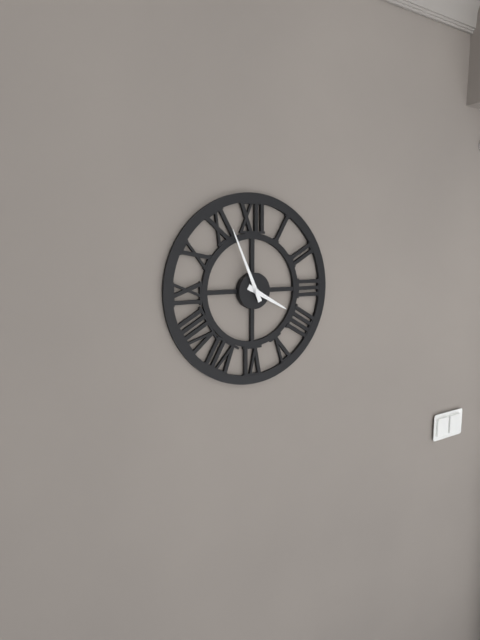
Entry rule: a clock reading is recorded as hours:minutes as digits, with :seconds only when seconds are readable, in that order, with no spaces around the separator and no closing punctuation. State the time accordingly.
3:56
